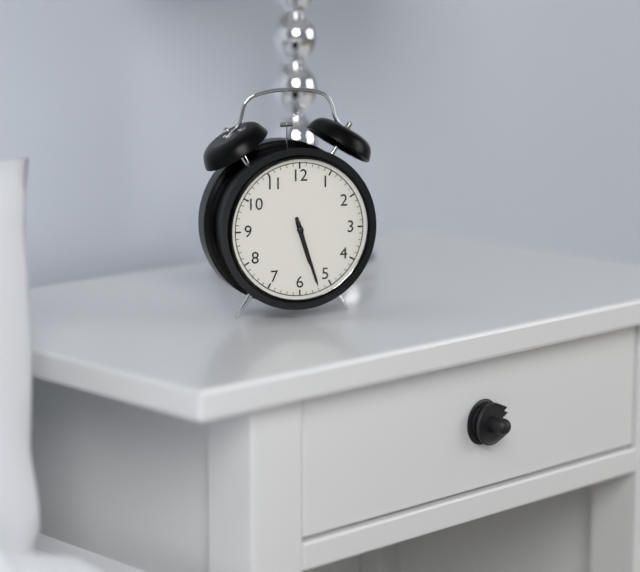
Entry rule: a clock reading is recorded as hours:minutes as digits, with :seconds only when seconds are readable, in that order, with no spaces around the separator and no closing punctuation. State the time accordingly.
5:27
